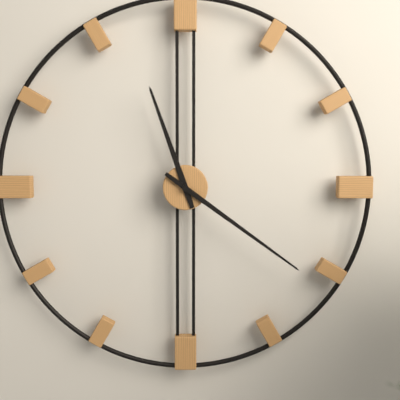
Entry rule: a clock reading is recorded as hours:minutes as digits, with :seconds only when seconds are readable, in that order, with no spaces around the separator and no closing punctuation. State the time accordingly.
11:21
